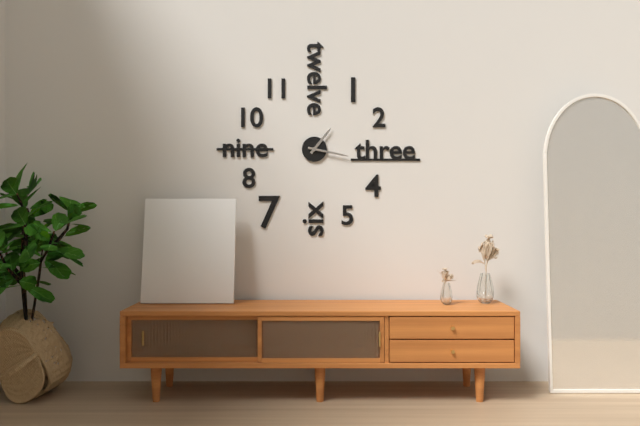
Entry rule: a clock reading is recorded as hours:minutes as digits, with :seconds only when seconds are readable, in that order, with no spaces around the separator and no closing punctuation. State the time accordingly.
1:17
